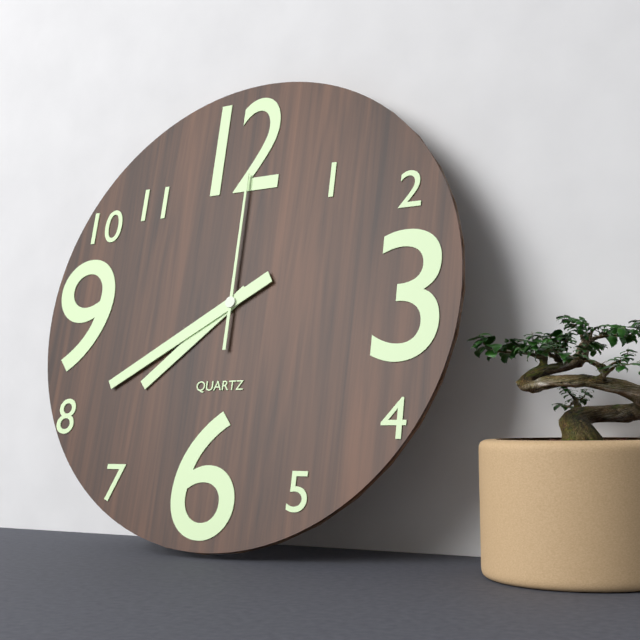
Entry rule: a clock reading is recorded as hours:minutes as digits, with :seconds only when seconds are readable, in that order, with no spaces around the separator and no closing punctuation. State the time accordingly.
7:40:00
